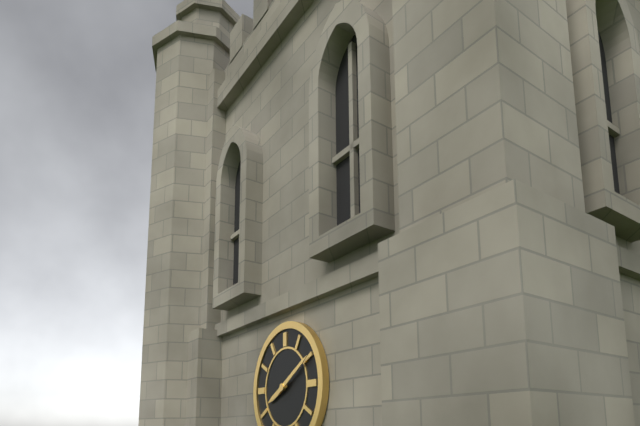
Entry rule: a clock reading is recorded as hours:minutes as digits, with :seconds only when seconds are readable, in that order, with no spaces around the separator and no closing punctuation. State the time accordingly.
8:10
